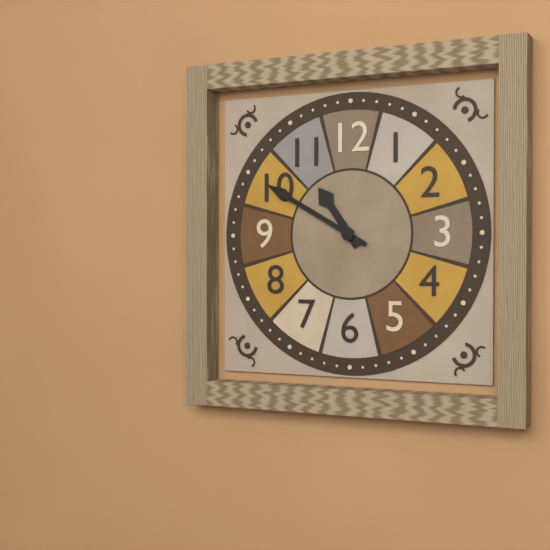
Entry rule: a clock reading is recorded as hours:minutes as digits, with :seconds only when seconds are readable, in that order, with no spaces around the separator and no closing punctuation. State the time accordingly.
10:50
